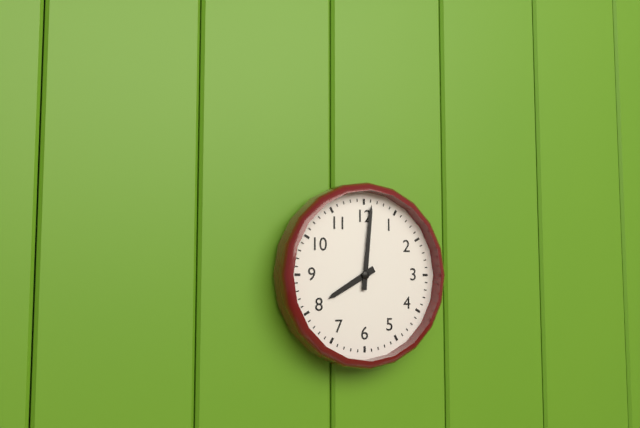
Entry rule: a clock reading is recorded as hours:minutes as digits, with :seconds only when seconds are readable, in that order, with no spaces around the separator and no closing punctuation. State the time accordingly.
8:01
